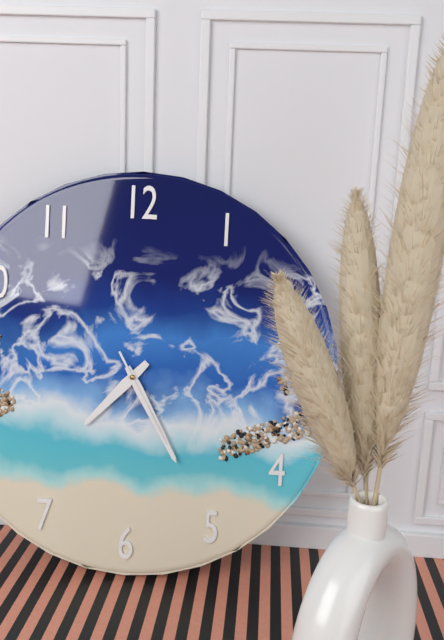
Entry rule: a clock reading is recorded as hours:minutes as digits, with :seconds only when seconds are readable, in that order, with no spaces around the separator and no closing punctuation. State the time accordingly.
7:25:25
